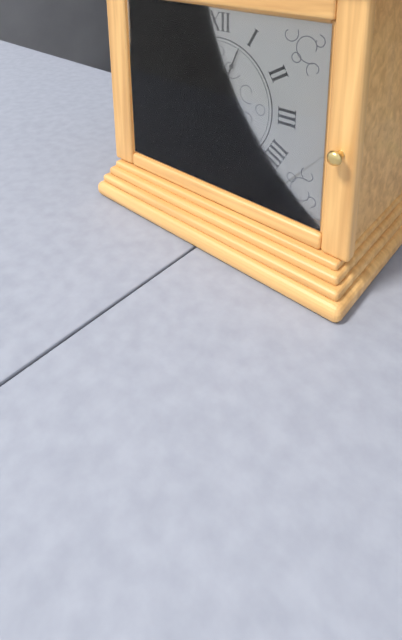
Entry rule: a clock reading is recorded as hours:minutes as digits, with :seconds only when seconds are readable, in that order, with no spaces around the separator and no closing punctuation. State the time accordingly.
4:04:45
